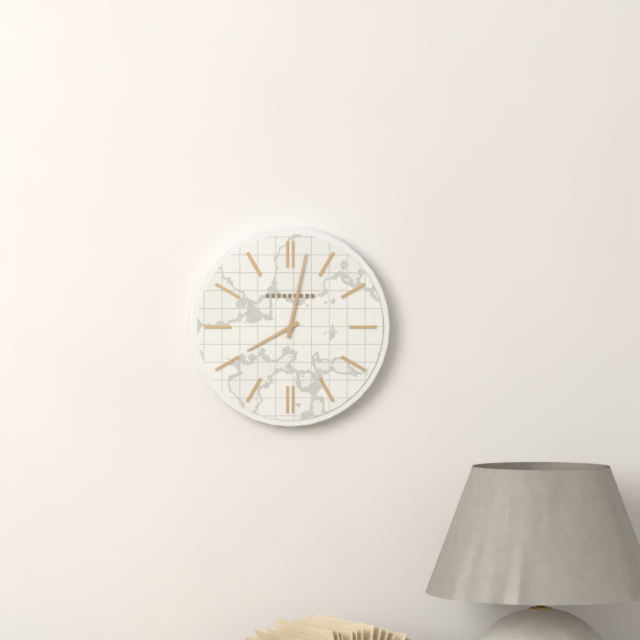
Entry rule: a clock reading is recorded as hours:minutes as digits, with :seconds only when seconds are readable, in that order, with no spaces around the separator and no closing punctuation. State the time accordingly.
8:02
